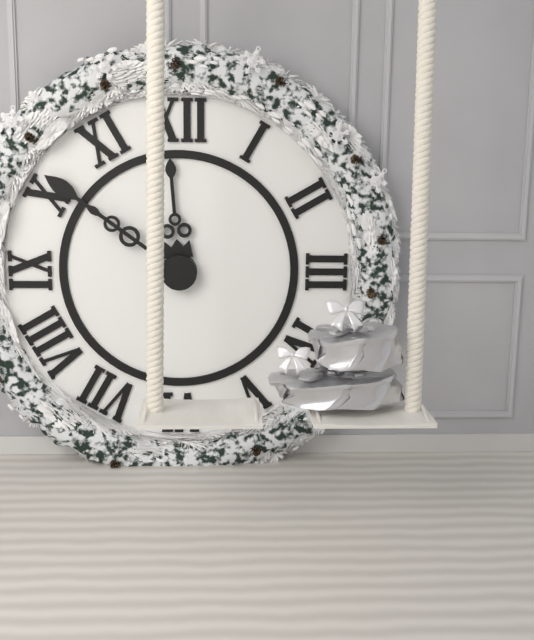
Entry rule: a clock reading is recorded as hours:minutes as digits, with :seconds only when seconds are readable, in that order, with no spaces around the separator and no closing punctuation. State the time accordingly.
11:51
